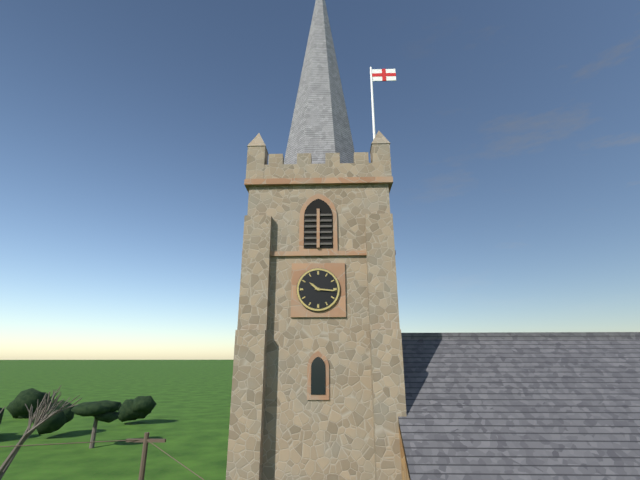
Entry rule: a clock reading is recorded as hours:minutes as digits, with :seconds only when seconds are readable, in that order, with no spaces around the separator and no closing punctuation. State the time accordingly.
10:16
